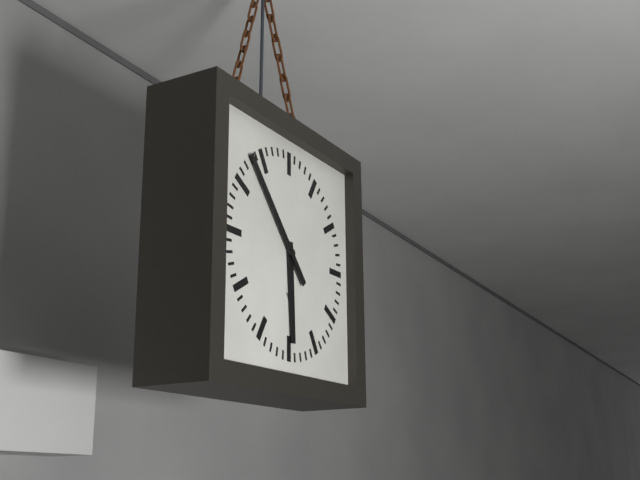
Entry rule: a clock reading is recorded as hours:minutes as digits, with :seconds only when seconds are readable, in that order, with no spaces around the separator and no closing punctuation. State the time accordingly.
5:53
